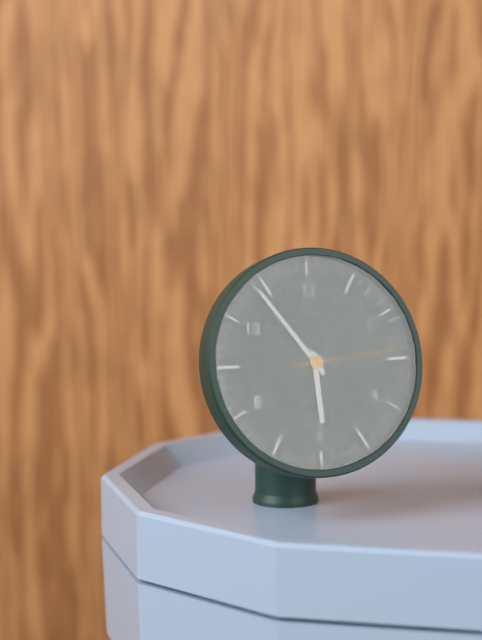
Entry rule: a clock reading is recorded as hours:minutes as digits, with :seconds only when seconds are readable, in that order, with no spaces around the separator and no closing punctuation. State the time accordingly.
5:54:14
